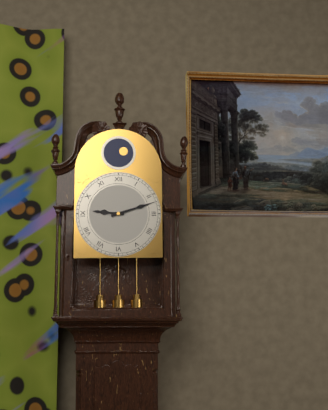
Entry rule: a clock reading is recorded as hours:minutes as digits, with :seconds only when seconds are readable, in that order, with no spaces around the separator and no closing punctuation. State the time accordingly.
9:12
